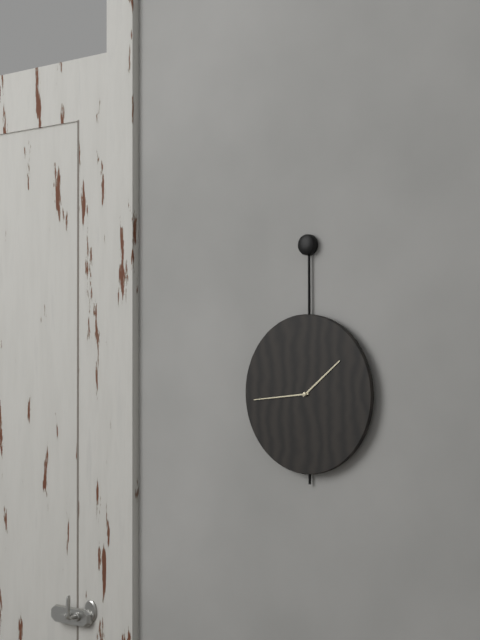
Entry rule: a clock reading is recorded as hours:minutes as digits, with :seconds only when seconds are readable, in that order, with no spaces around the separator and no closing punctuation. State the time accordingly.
1:44
